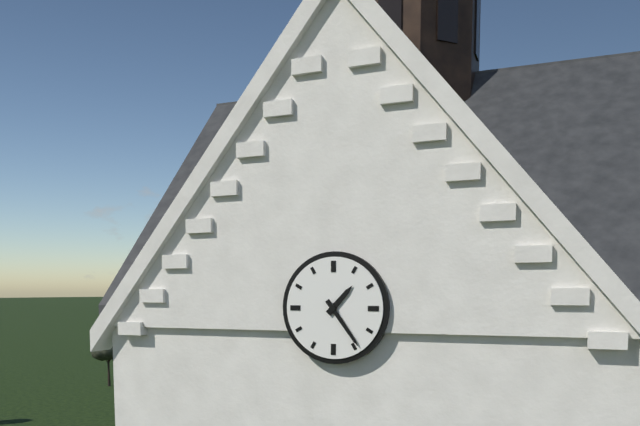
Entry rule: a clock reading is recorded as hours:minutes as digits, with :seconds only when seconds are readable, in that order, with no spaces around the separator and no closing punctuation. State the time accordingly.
1:24
